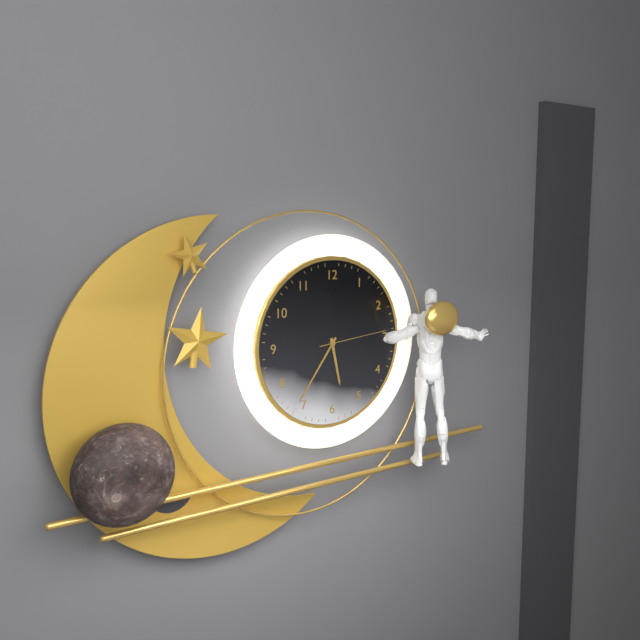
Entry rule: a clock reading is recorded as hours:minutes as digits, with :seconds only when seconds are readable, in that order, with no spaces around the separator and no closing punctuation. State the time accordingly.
5:36:14
